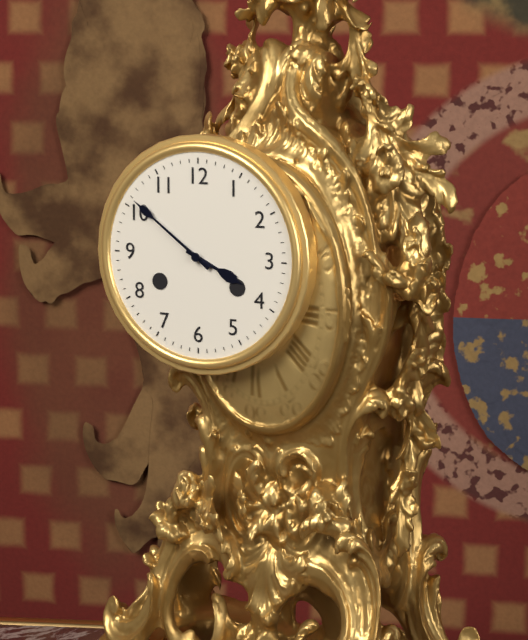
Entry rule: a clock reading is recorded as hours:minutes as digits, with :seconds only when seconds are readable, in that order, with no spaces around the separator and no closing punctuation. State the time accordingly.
3:51
